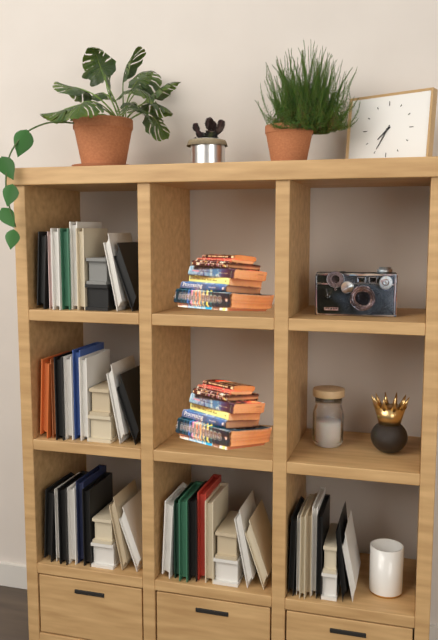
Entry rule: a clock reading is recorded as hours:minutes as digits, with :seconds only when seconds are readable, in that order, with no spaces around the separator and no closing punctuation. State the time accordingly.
7:35
